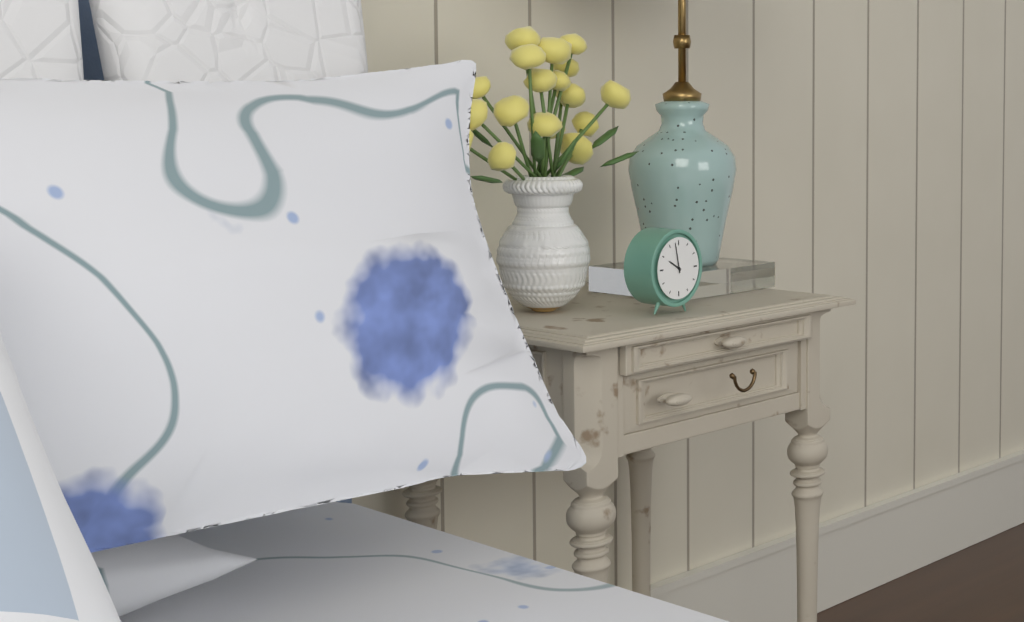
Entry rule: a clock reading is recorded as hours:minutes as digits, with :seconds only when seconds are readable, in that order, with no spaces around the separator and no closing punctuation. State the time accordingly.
9:58
